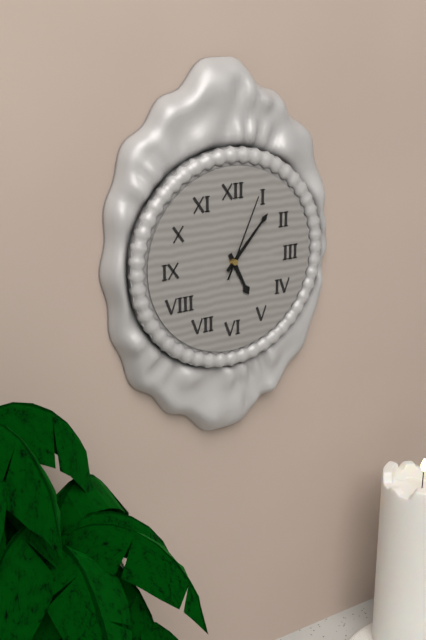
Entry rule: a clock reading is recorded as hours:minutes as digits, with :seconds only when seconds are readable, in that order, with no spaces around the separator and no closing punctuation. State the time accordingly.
5:07:04
